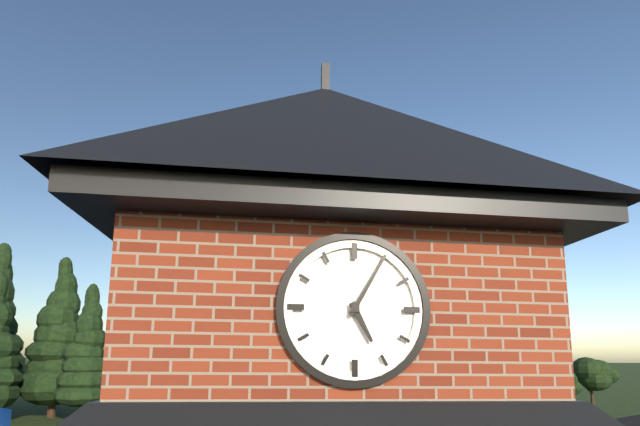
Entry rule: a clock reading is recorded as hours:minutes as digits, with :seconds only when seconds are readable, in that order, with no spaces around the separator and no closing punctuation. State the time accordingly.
5:05
